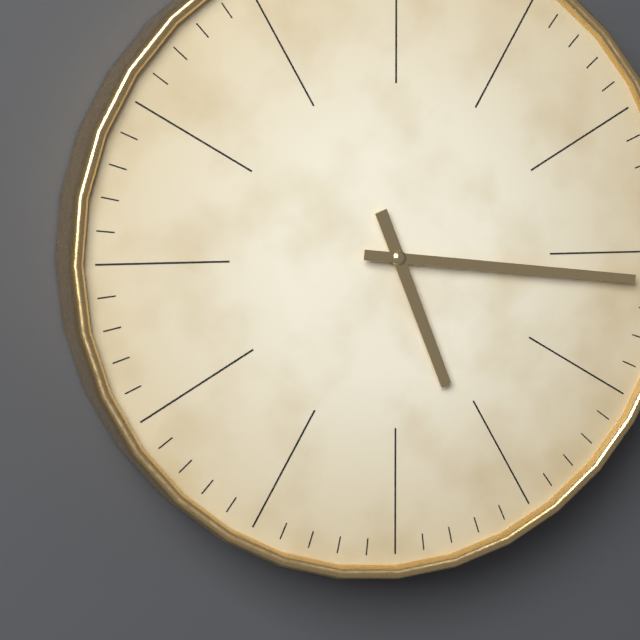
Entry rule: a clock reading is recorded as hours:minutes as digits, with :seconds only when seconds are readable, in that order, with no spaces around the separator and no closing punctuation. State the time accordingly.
5:16
